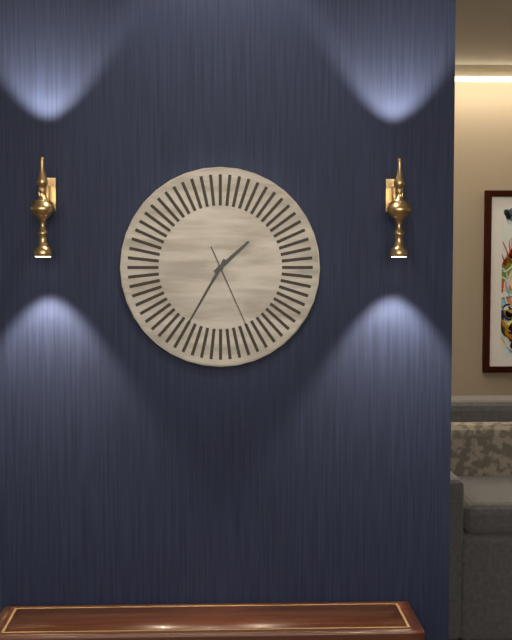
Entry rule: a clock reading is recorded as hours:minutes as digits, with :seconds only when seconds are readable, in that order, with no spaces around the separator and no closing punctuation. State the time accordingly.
1:35:26
